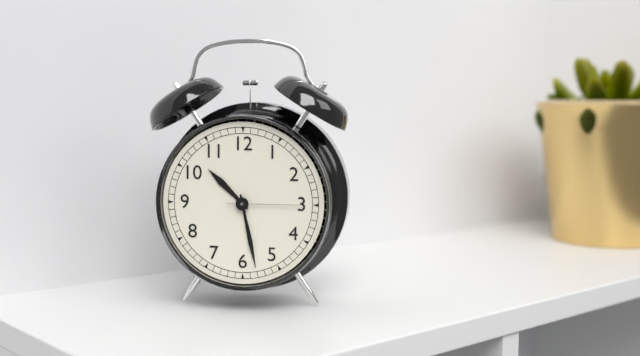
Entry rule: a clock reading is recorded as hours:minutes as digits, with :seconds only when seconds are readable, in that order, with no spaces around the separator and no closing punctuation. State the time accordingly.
10:28:15
